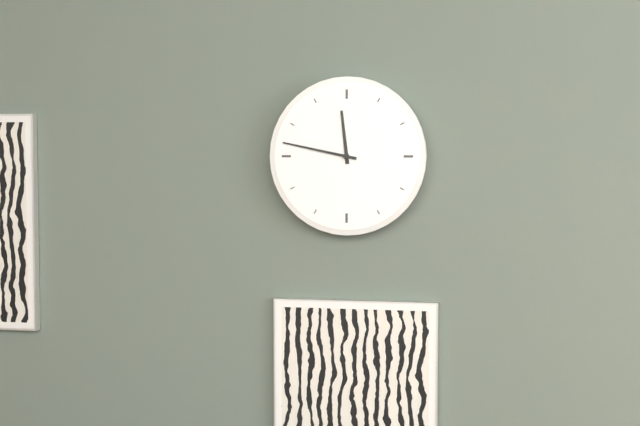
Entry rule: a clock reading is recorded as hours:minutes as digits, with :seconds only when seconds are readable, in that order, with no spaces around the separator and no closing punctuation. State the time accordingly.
11:47
